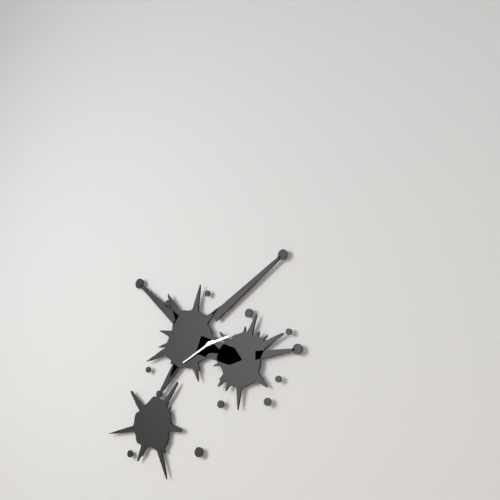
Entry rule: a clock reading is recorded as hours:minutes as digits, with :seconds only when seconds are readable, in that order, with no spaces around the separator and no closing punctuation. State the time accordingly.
2:41
